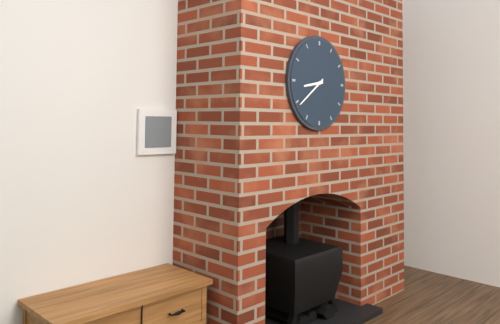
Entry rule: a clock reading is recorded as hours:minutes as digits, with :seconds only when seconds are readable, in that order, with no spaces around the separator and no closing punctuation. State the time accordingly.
8:39
